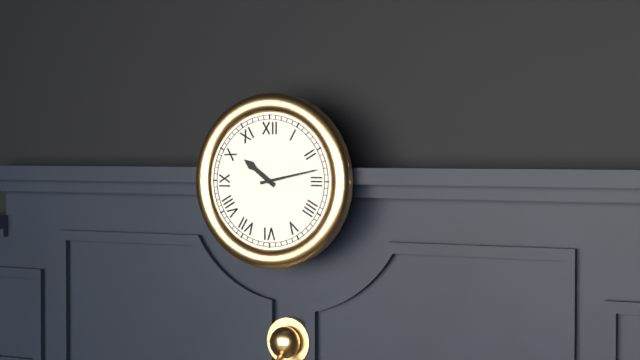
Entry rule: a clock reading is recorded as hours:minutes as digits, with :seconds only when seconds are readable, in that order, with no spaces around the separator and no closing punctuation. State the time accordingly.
10:13
